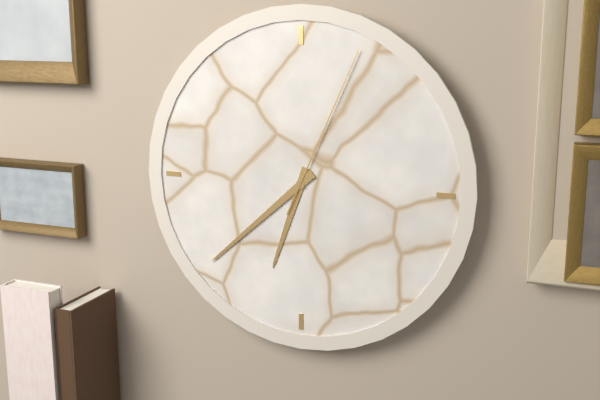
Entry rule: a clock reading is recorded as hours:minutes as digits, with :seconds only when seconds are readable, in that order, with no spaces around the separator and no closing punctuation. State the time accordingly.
6:38:04
